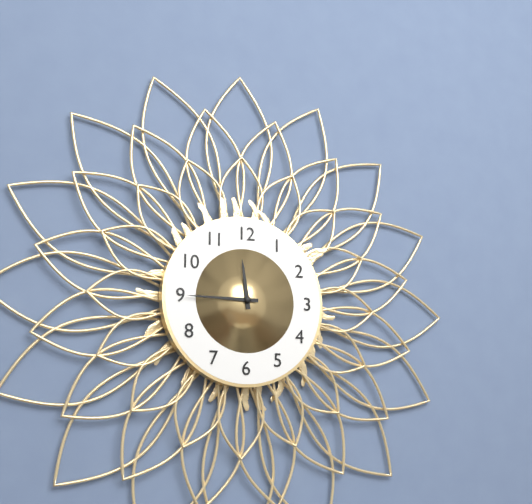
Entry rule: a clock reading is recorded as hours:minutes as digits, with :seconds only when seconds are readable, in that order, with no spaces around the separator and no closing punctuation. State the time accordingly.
11:45
